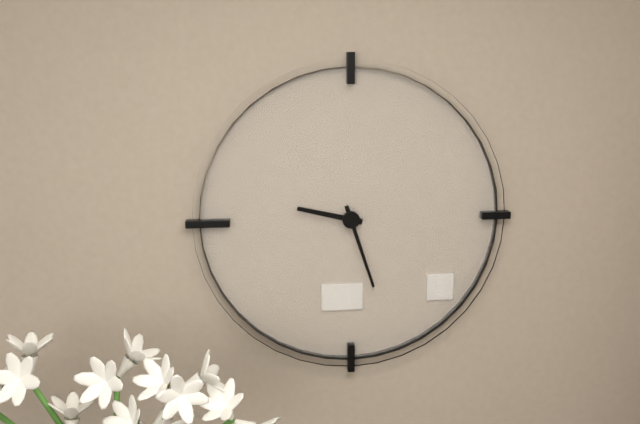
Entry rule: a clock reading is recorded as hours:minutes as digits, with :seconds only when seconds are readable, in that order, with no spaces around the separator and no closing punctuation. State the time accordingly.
9:27
